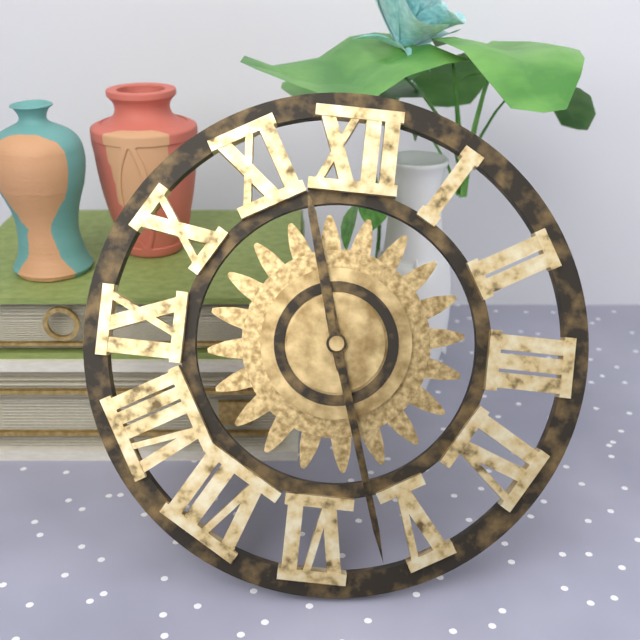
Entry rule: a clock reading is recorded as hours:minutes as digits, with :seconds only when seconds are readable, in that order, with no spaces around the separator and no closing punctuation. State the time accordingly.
11:27
